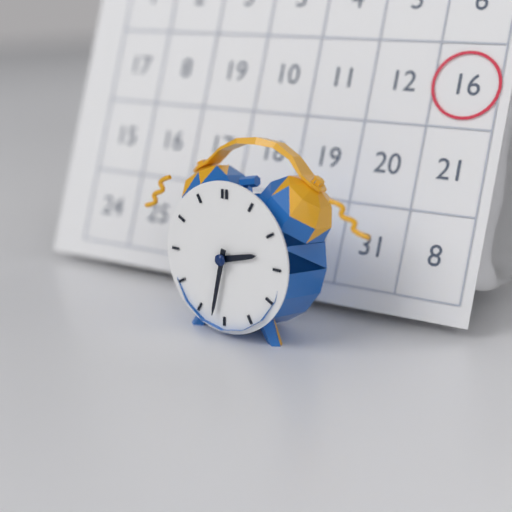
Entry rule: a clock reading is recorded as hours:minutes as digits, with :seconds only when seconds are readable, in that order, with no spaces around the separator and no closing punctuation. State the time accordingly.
2:32
